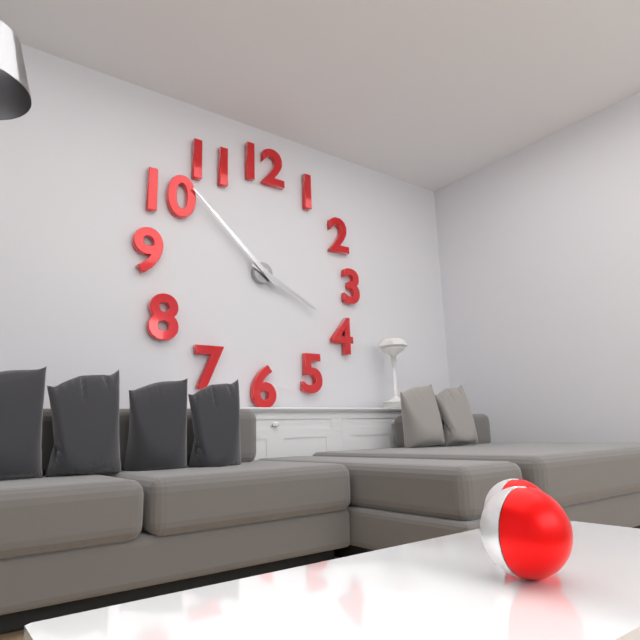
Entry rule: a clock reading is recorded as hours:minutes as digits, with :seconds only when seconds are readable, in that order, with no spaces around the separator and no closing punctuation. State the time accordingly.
3:52
